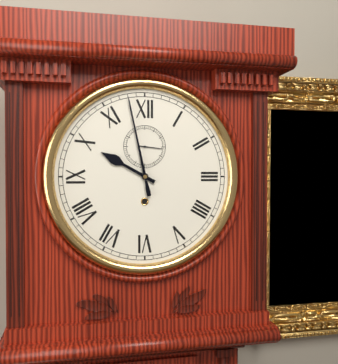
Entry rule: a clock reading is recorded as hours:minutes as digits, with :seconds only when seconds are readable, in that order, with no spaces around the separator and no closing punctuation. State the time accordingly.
9:58
